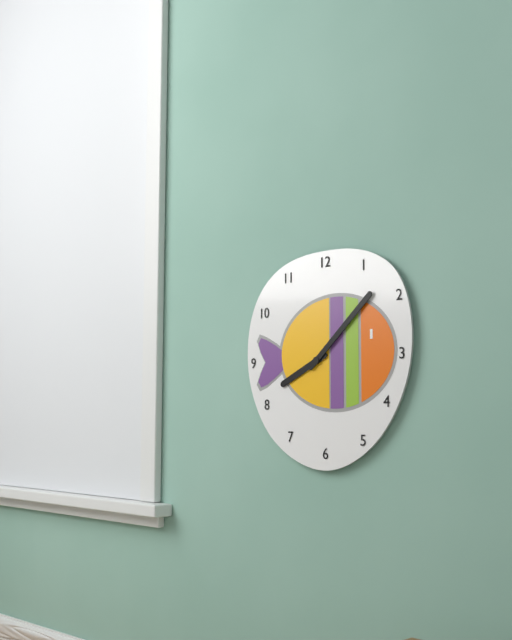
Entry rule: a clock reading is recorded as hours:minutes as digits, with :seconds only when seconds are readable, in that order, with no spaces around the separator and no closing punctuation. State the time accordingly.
8:08
